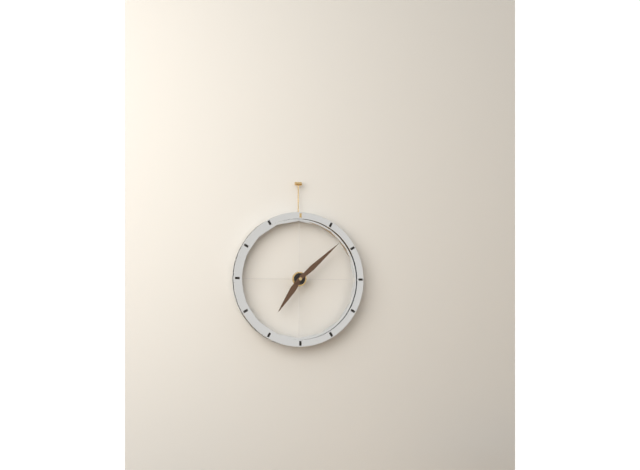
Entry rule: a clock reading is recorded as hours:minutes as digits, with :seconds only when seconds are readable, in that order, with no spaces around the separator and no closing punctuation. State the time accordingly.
7:08
